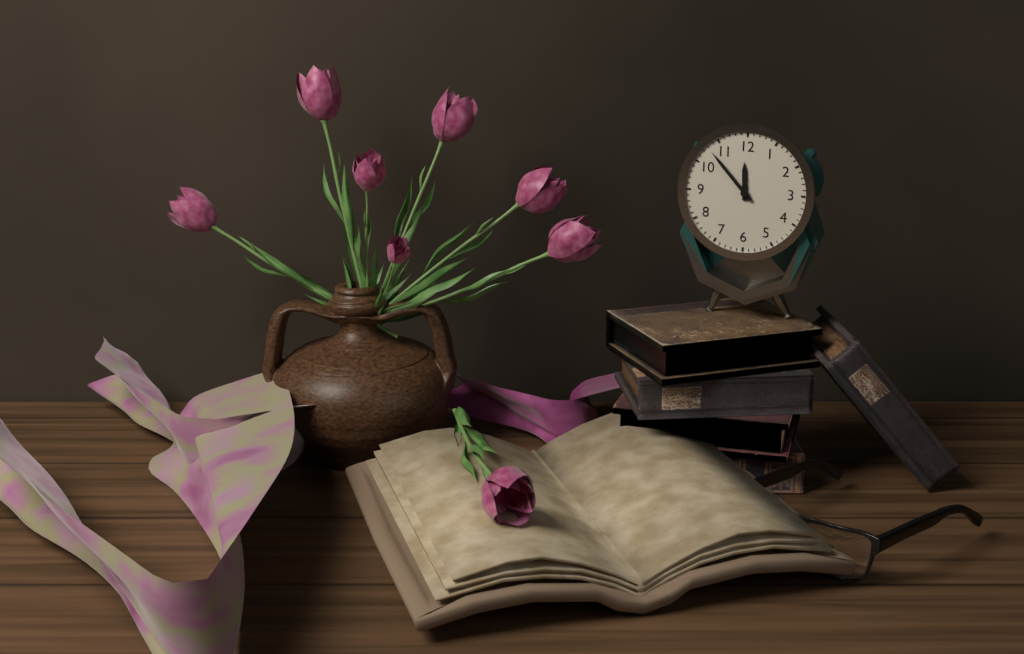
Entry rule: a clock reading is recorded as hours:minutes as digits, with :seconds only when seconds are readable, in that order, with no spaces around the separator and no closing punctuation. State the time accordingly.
11:53
